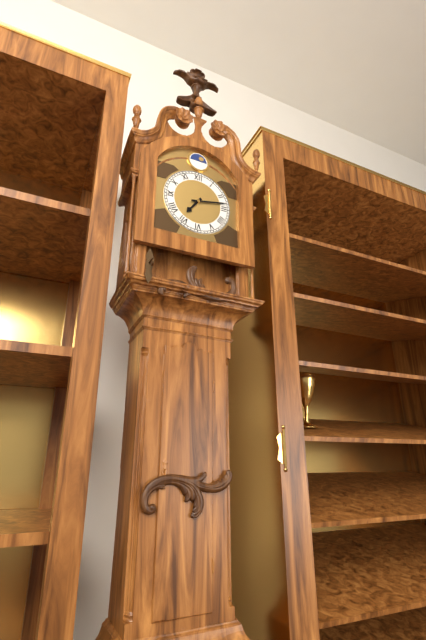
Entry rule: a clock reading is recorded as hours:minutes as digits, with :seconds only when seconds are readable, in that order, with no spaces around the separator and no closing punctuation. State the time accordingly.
7:13
